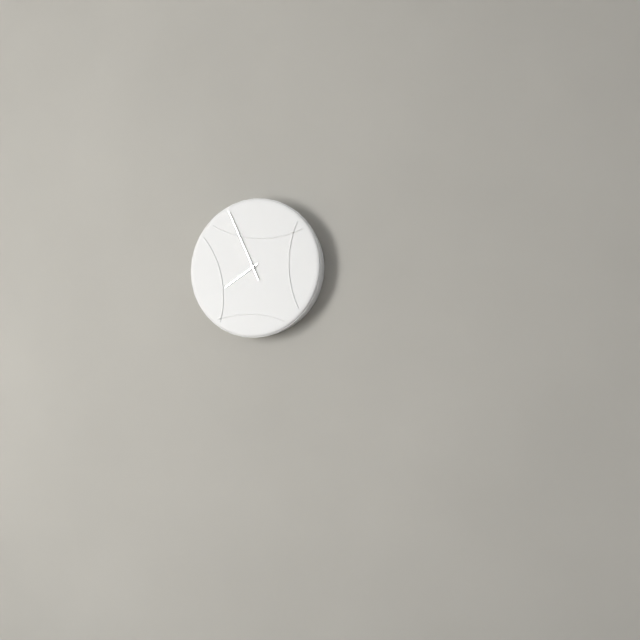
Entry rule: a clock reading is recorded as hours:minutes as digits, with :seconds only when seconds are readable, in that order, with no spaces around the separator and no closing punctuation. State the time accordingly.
7:56
